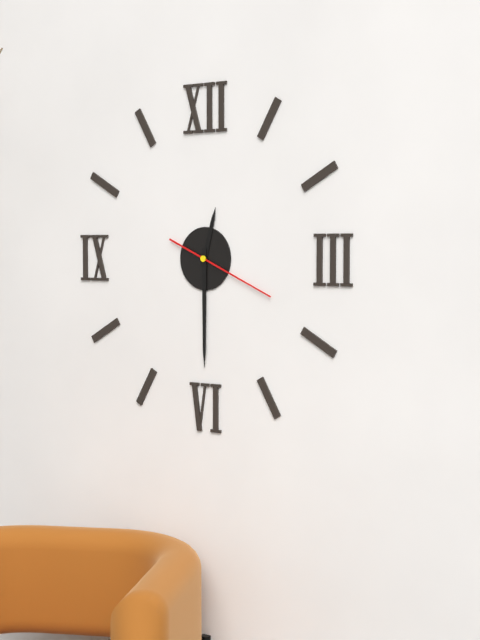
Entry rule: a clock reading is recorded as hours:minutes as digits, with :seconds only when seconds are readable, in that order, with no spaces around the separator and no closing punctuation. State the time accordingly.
12:30:19
